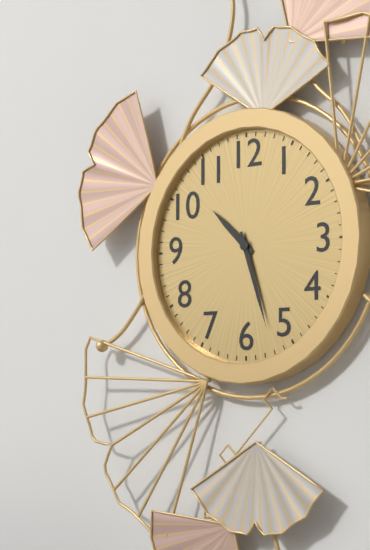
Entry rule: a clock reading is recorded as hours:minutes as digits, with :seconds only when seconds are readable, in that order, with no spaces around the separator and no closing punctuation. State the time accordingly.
10:27
